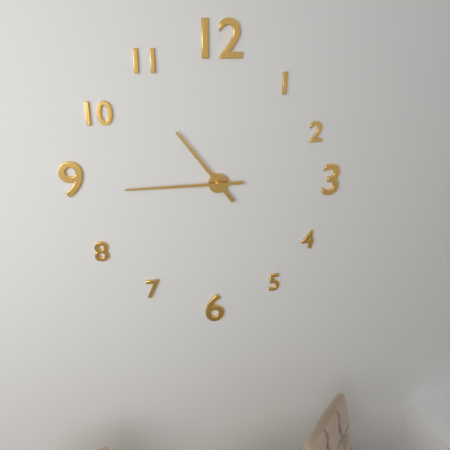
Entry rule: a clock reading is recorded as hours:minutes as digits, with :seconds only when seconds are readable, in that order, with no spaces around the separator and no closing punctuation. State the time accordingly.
10:45
